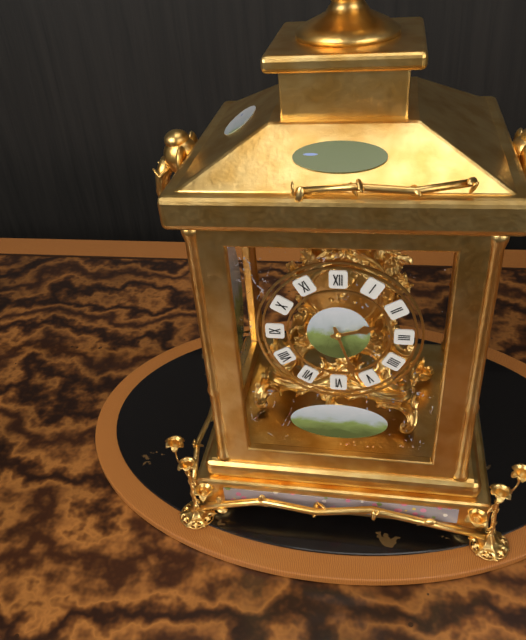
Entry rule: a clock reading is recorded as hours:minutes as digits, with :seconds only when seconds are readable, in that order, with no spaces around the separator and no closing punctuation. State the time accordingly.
2:27
